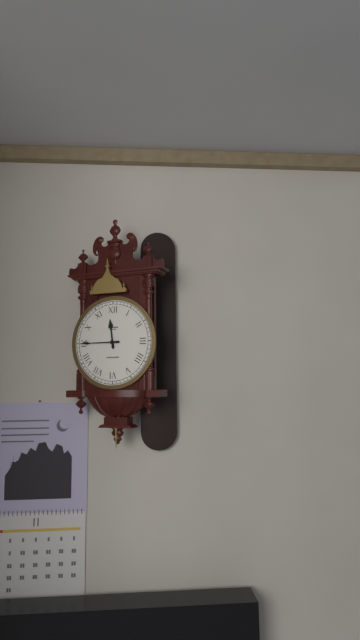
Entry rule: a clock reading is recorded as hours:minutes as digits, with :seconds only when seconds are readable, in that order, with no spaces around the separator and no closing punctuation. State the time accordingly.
11:45
